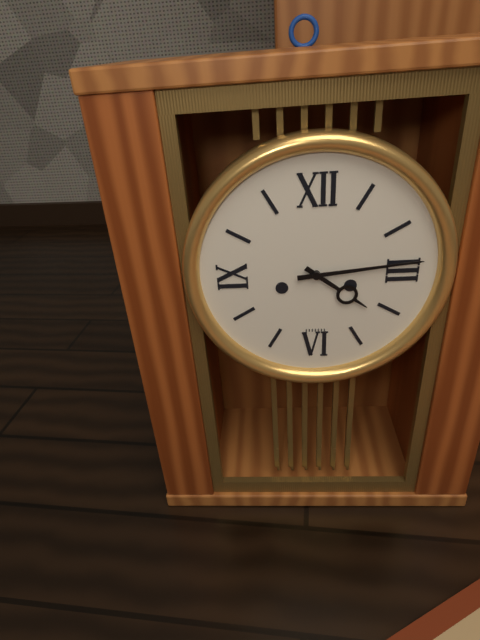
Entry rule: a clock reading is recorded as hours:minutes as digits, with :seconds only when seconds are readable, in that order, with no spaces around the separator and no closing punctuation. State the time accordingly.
4:14
